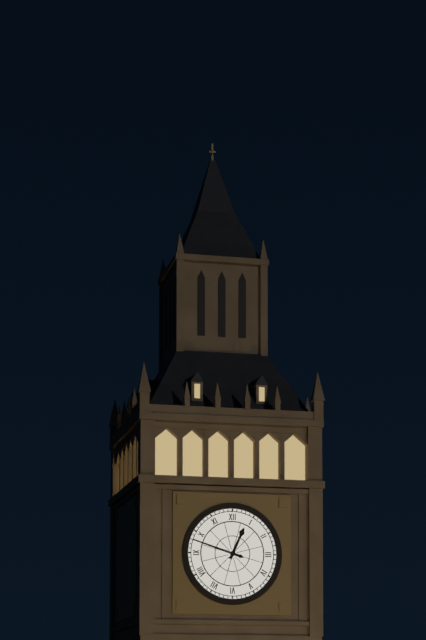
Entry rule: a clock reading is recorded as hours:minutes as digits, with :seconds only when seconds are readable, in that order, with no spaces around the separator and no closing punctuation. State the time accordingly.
12:48
